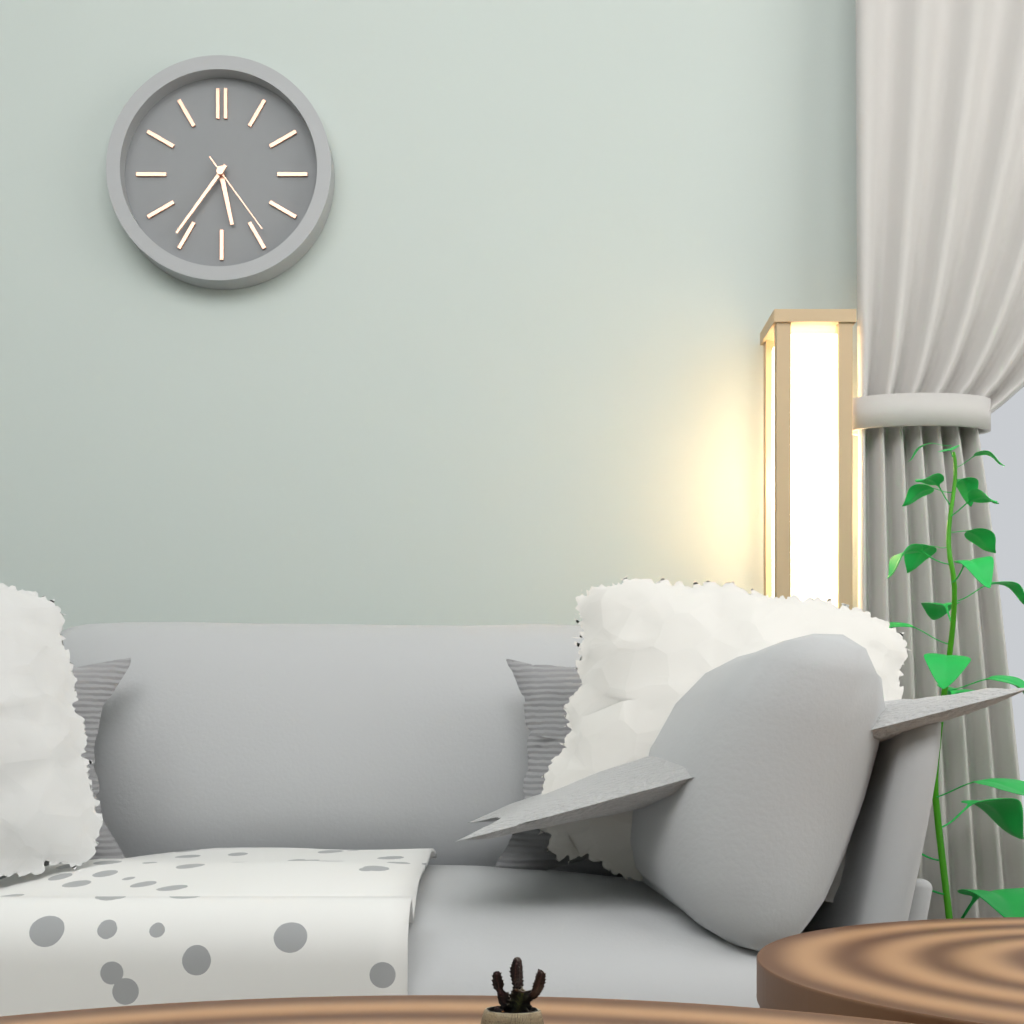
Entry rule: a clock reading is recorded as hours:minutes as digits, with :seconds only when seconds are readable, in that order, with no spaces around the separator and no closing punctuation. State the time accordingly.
5:36:24
